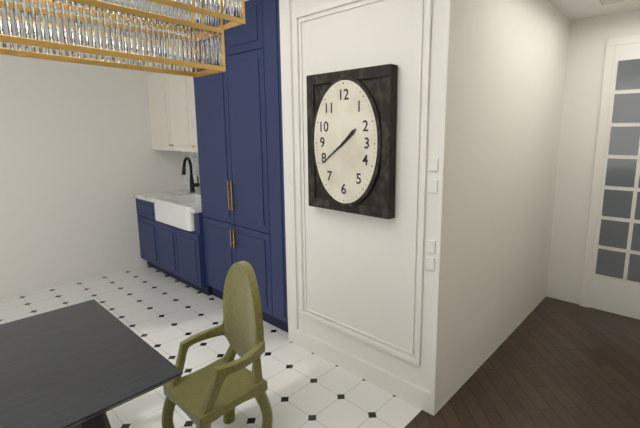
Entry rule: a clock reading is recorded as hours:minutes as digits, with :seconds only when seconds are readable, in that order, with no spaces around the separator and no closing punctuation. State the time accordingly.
1:39
